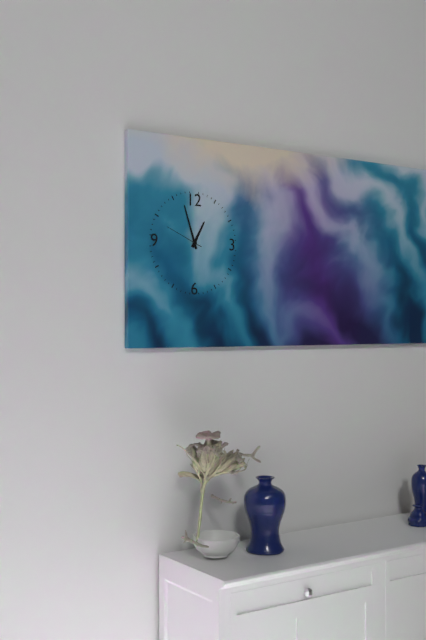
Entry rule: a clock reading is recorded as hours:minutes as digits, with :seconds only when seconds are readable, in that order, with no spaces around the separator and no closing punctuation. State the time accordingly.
12:57
